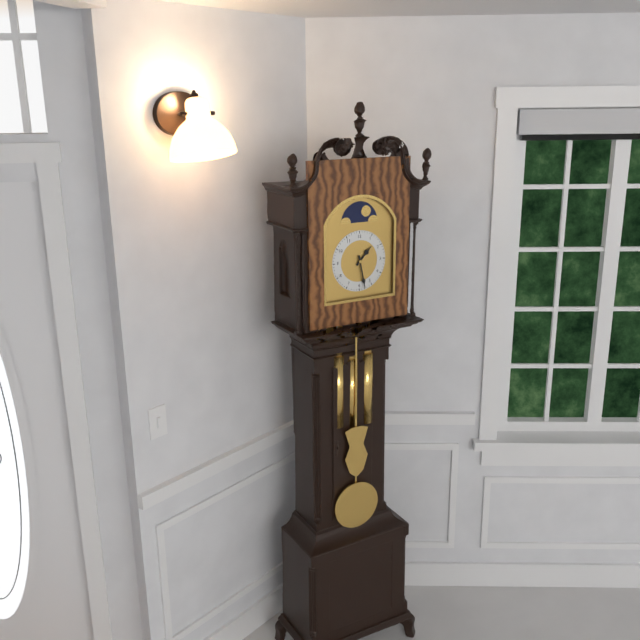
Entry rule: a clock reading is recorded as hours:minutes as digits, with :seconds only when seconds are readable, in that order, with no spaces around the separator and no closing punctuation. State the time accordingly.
1:28
